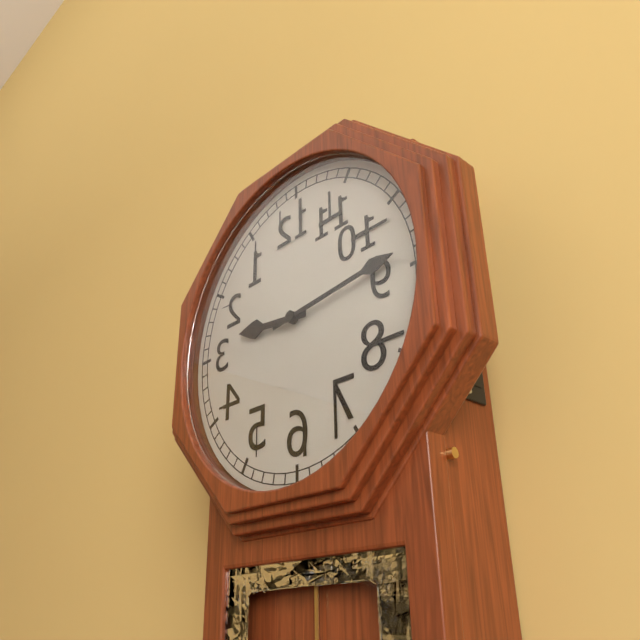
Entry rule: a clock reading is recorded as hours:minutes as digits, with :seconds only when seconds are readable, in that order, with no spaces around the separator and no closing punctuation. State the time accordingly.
9:14
